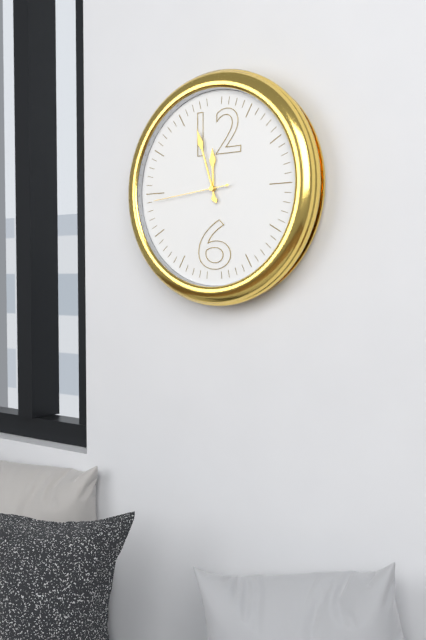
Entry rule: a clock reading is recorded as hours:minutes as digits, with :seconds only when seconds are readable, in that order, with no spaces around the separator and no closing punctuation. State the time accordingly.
11:57:44
